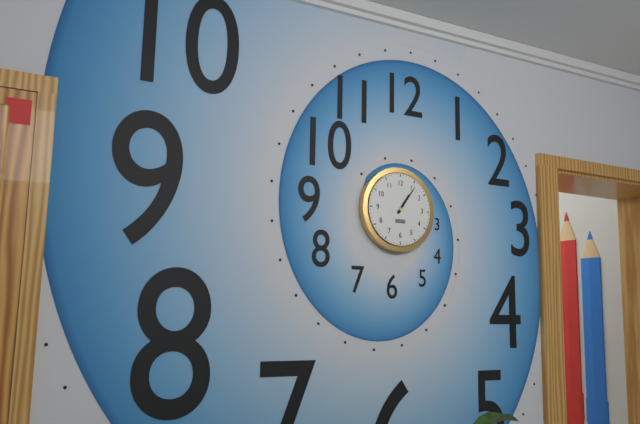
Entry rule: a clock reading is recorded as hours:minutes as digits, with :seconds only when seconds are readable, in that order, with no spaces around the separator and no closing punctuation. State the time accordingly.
1:06
